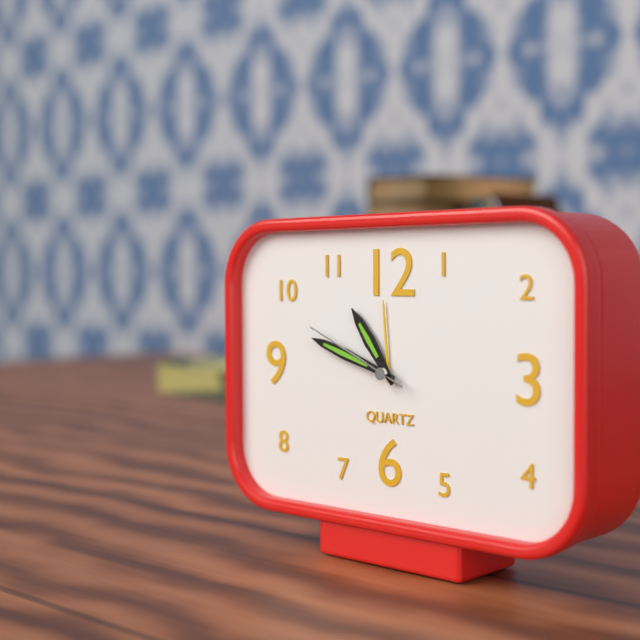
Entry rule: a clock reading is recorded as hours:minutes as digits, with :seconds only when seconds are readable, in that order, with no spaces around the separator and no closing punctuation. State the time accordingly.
10:48:49
